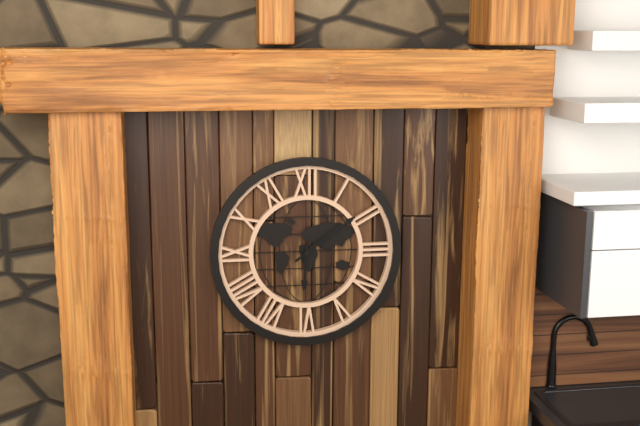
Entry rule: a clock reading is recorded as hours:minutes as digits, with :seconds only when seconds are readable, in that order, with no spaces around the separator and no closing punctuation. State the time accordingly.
6:09
